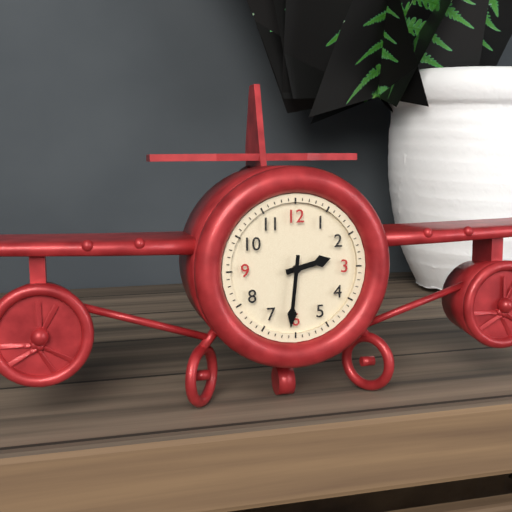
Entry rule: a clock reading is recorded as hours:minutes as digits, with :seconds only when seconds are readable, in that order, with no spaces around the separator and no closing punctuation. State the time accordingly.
2:31
